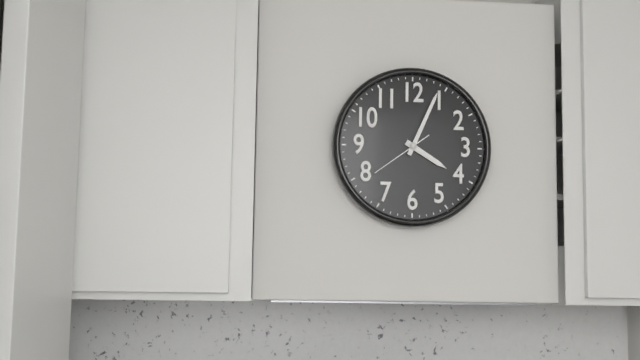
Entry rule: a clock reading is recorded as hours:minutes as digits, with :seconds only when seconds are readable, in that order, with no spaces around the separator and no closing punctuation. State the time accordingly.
4:04:39
